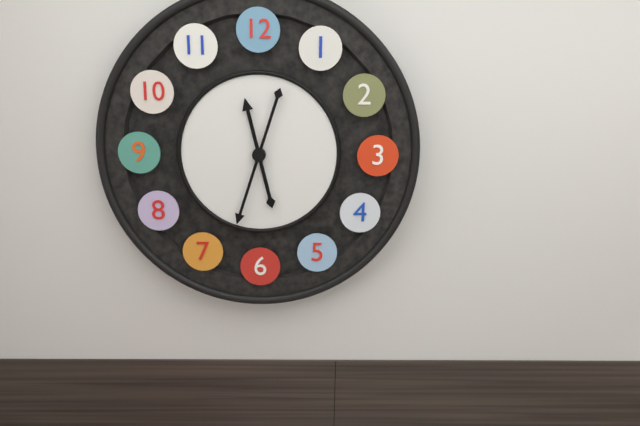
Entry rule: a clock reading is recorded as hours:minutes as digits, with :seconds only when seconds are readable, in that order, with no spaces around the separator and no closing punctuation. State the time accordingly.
11:33
